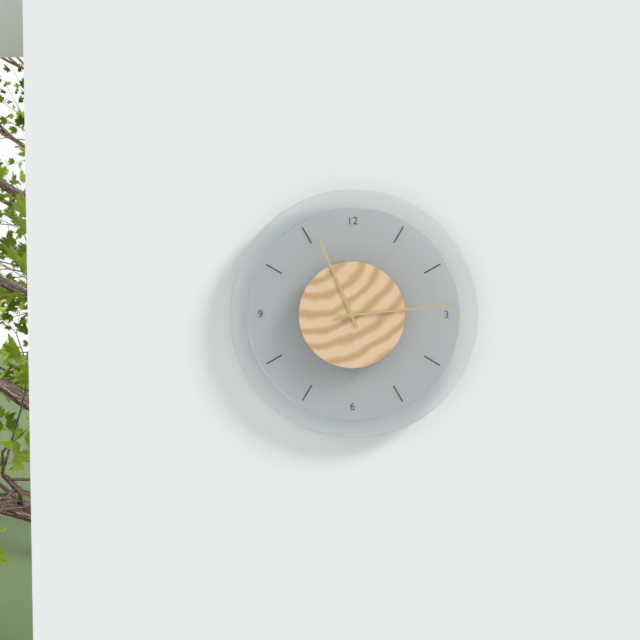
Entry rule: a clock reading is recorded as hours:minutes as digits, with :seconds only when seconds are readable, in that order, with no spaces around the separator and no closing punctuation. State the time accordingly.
11:14
